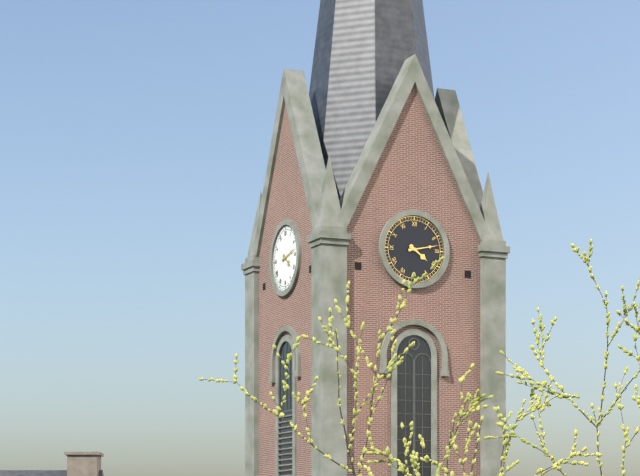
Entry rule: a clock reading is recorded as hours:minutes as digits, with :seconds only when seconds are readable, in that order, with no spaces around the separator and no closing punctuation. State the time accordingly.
4:13
